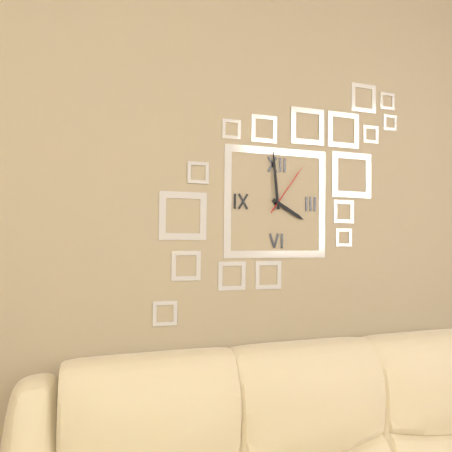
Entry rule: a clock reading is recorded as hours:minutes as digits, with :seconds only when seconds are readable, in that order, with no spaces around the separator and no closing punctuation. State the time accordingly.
3:59:06
